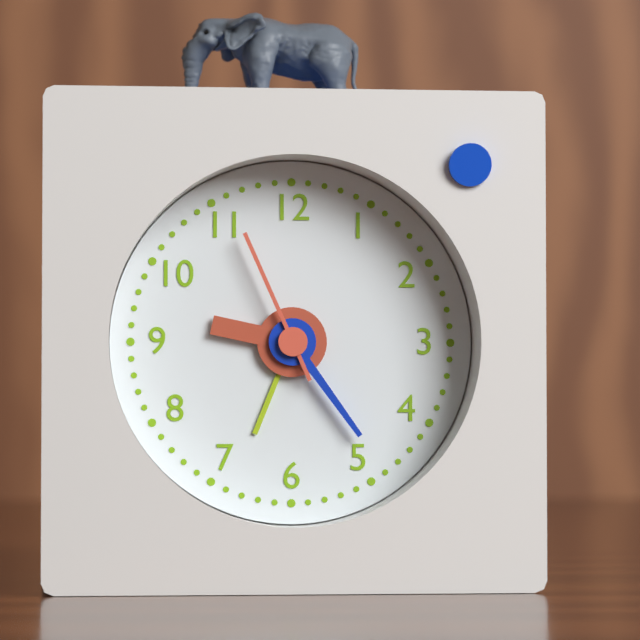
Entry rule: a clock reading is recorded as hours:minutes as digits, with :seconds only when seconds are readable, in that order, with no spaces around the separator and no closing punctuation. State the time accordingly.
9:24:56
